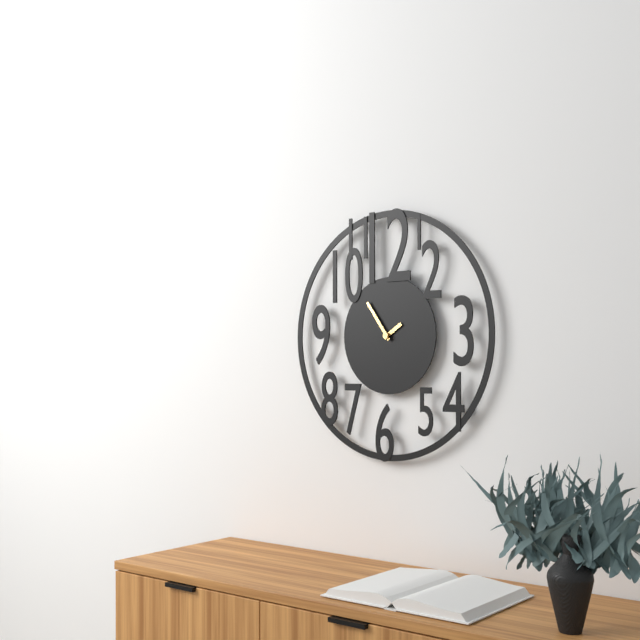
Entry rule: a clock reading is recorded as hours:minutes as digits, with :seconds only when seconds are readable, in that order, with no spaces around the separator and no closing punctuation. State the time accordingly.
1:54
